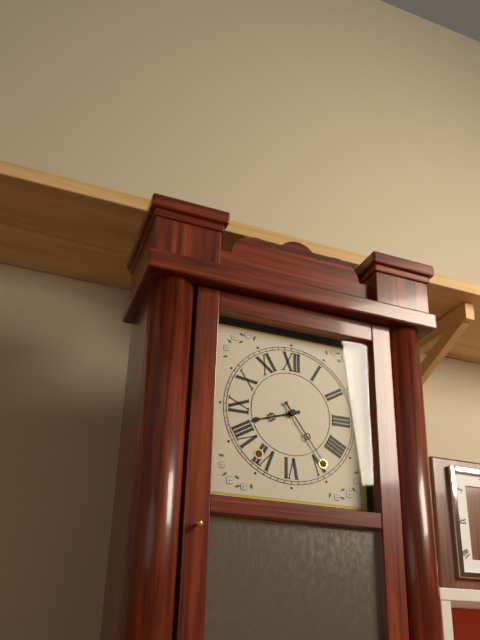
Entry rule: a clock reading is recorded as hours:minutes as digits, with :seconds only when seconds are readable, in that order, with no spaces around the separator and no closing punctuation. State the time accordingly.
8:24
